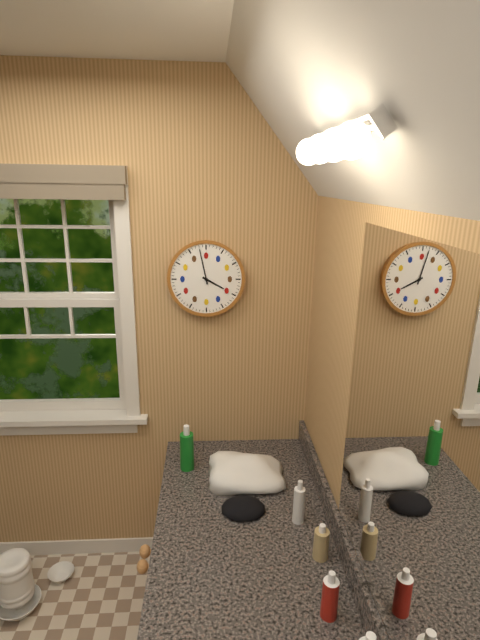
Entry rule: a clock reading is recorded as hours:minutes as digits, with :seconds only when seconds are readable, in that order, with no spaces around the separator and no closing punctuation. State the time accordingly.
3:58
